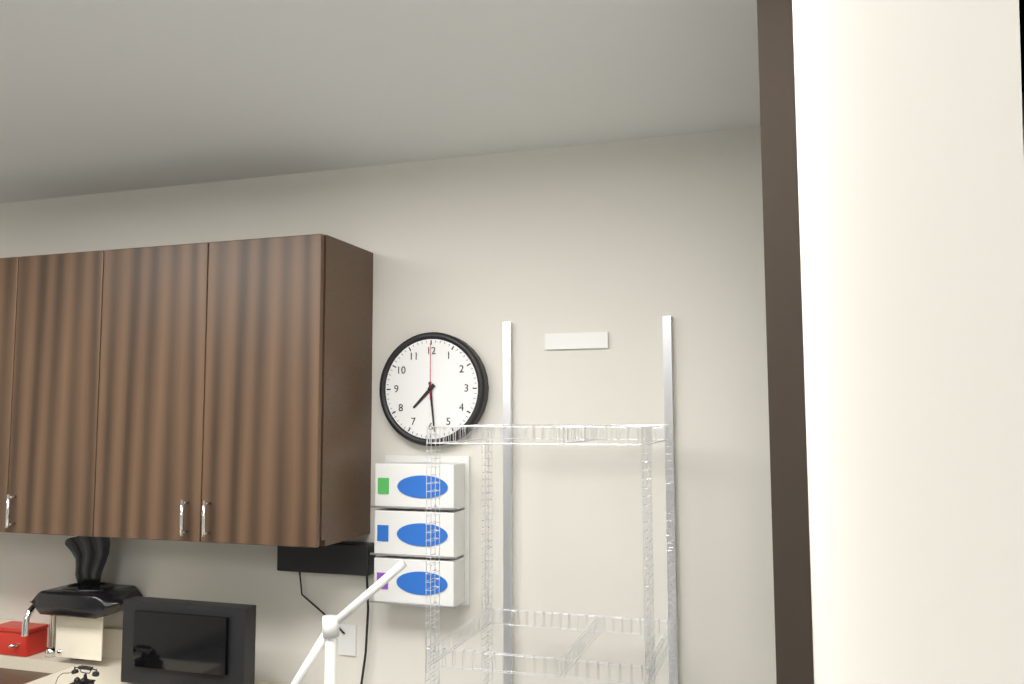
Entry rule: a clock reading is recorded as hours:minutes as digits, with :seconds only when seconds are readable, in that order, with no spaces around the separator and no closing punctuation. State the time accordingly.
7:29:00
